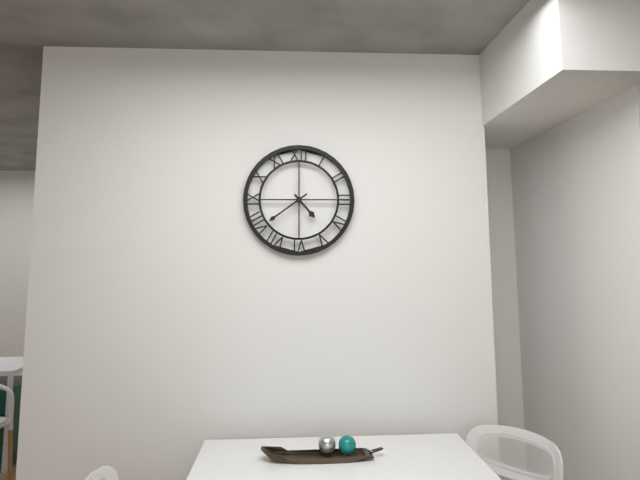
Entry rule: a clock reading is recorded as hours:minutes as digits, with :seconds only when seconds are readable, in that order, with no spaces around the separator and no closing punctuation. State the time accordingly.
4:39
